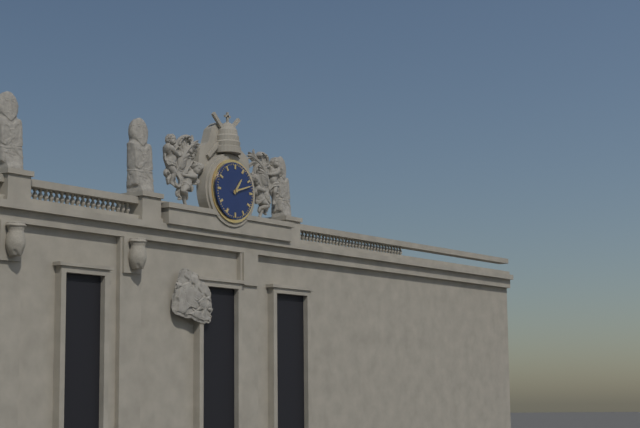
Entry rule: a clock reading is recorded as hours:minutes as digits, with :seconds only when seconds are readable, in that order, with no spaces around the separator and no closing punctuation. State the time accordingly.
1:12
